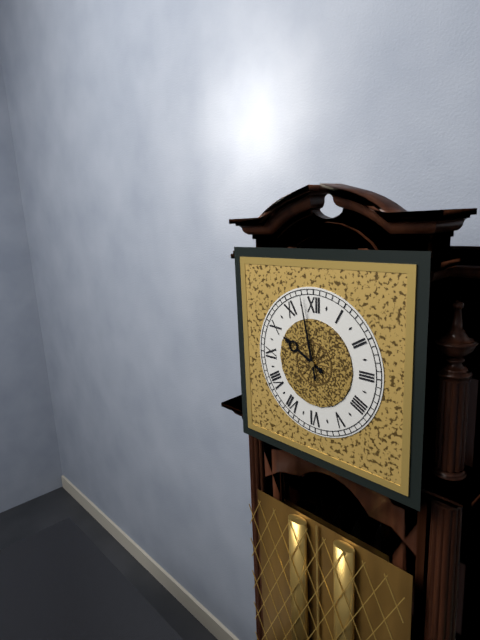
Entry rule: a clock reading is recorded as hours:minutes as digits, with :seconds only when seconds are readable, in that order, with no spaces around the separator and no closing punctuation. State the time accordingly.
9:58
